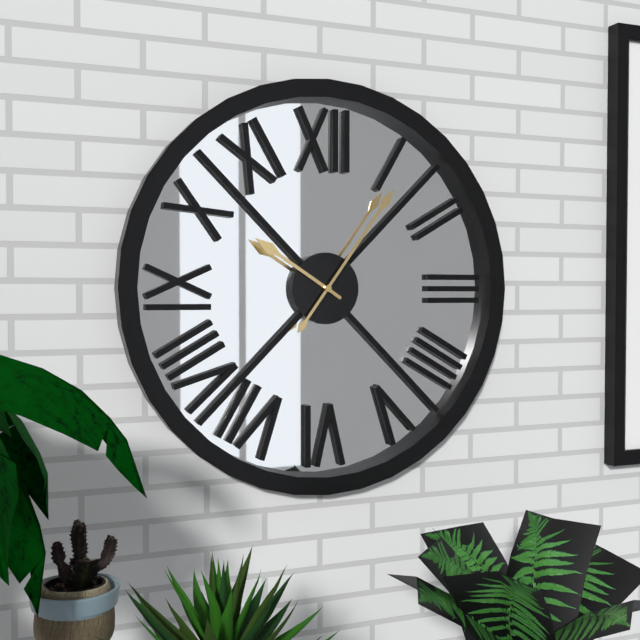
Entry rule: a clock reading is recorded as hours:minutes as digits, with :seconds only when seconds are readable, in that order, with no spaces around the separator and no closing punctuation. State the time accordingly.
10:06
